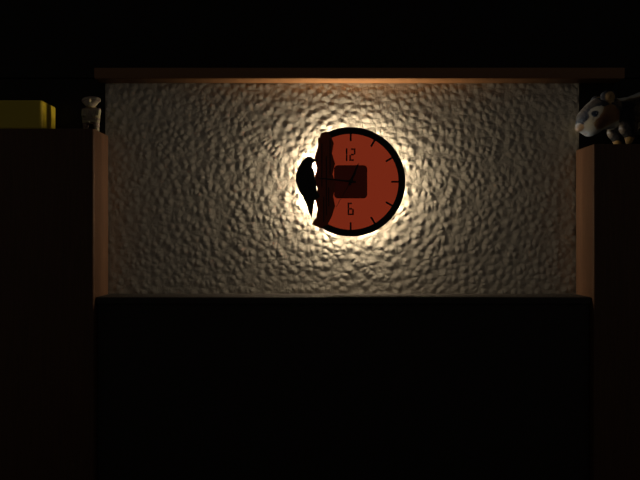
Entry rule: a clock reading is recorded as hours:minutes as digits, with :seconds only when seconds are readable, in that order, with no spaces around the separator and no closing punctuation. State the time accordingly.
12:46
